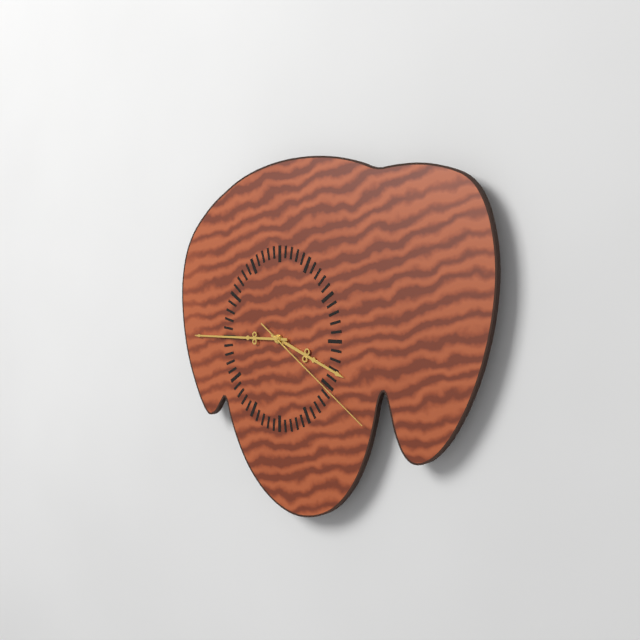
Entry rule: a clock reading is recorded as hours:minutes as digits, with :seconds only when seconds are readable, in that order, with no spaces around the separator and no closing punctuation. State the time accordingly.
3:45:21
